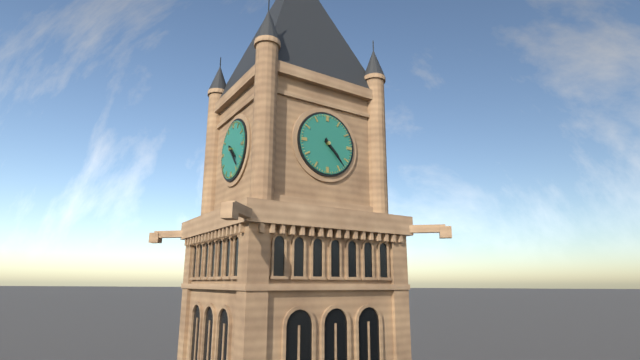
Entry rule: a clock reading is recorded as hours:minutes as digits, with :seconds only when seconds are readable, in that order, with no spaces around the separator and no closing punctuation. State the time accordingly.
4:23
